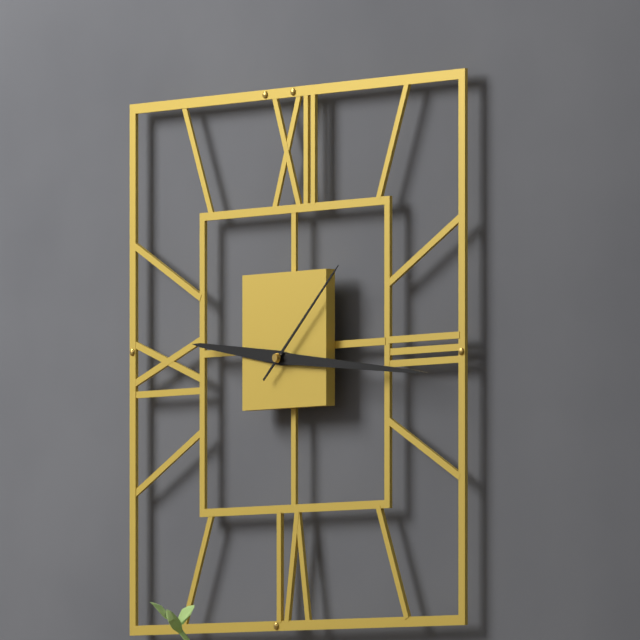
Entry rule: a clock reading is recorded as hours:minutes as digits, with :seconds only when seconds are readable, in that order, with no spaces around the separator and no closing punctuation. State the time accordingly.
9:16:08
